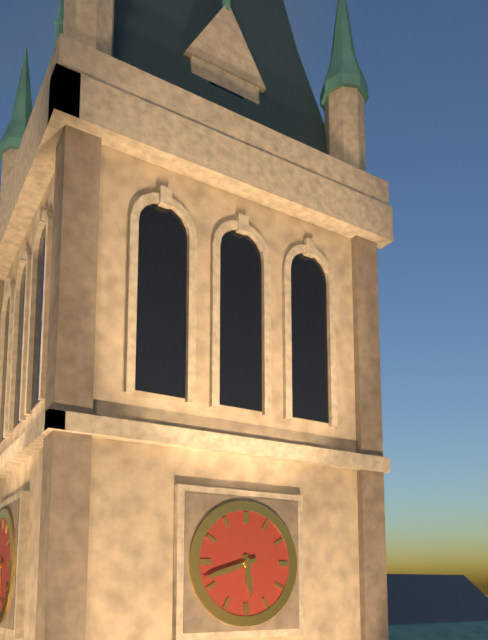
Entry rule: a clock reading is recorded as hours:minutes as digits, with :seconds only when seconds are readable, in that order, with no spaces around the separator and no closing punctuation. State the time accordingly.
5:42
